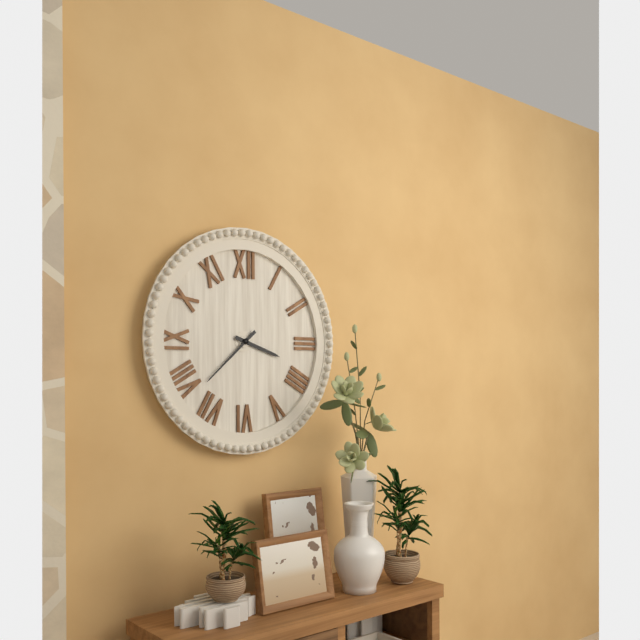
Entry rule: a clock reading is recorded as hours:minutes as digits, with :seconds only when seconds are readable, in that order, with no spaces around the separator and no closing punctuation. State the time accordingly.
3:38
